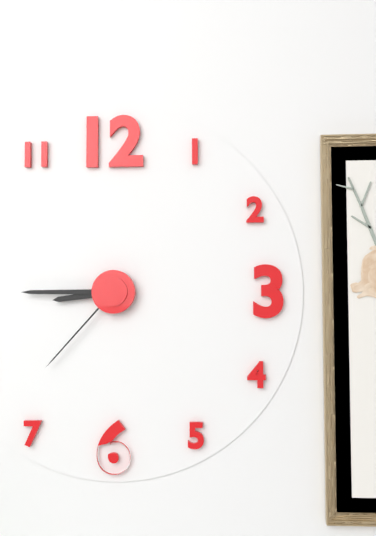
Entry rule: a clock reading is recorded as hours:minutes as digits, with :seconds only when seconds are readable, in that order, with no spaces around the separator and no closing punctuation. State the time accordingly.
8:45:37
